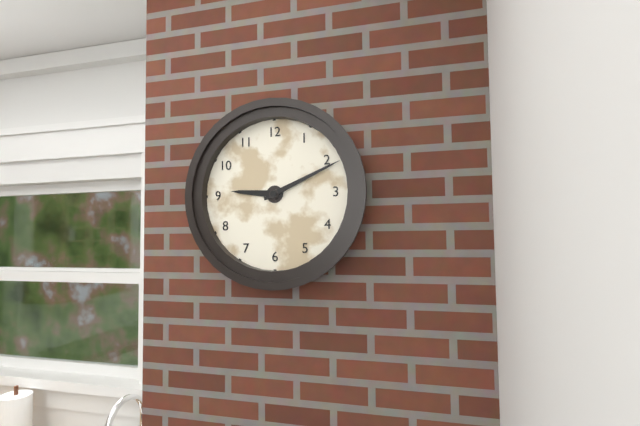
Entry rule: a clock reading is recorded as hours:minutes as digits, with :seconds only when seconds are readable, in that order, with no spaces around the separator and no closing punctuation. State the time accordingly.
9:11
